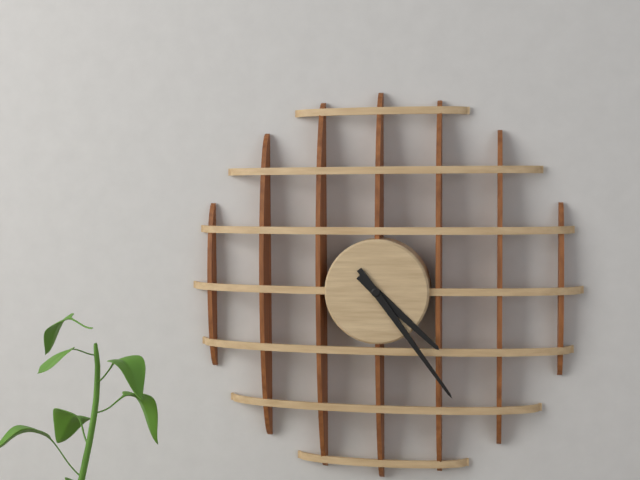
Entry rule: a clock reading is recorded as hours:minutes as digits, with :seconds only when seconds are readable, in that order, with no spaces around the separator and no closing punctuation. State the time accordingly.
4:24
